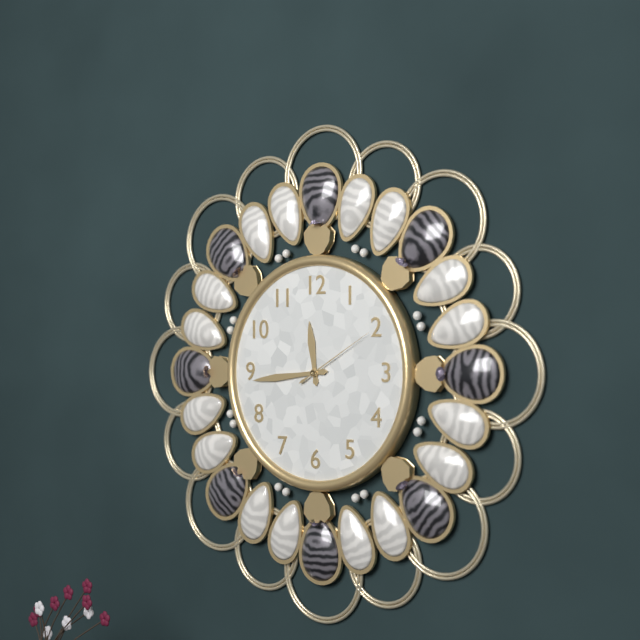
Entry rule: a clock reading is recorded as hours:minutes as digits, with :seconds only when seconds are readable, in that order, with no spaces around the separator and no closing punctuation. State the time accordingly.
11:44:10
